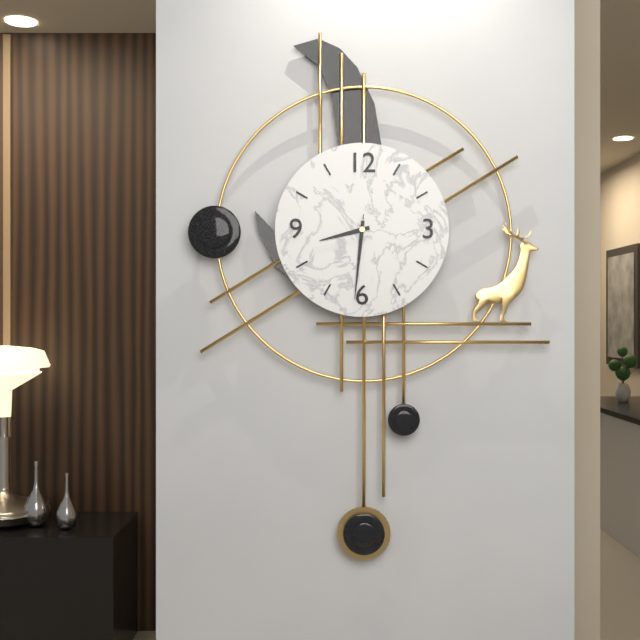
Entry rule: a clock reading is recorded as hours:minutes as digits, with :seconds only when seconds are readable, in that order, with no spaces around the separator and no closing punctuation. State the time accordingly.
8:31:31
